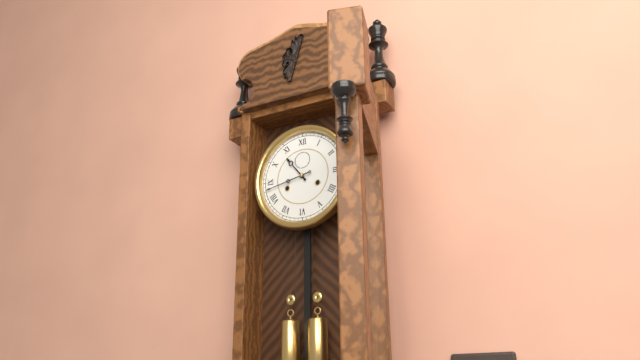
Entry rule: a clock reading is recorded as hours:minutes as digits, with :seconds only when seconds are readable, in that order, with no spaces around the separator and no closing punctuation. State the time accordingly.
10:43
